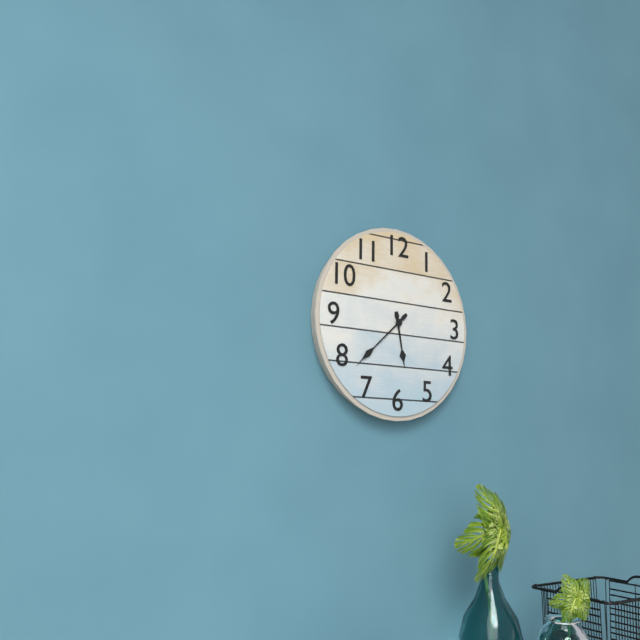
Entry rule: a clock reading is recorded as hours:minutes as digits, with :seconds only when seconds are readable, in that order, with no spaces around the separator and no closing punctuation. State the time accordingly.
5:38
